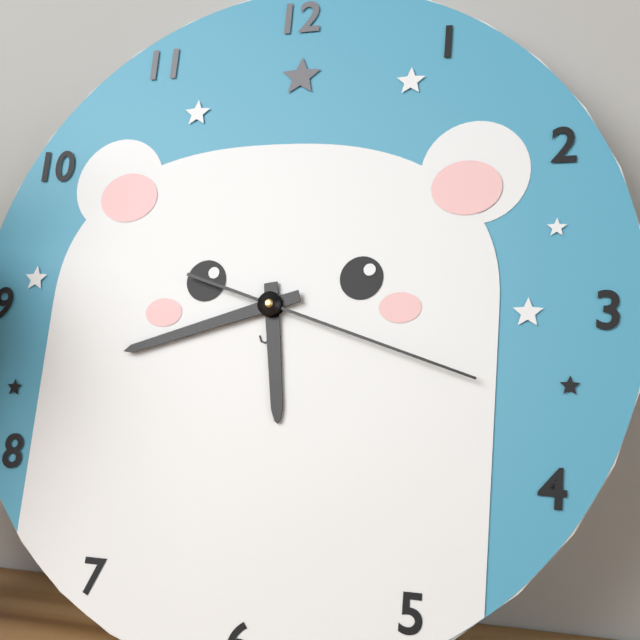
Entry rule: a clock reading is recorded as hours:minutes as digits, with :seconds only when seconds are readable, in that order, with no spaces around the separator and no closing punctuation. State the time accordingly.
5:42:18
